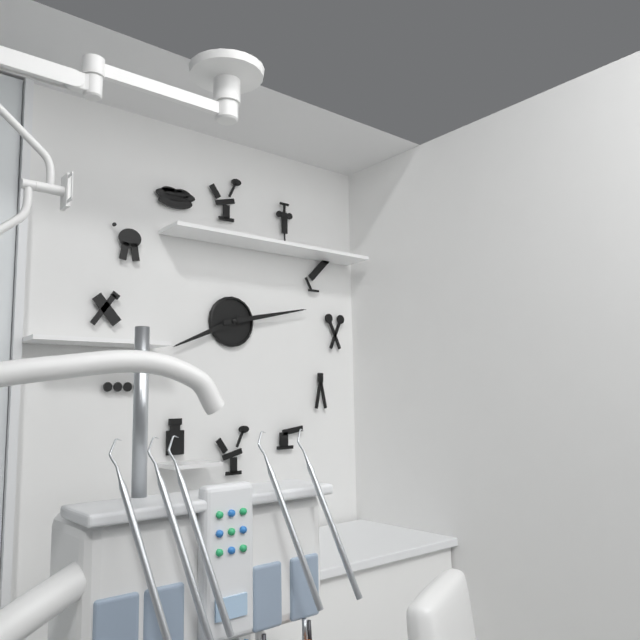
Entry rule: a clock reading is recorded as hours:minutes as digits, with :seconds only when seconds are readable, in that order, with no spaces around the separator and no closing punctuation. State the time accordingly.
8:13
